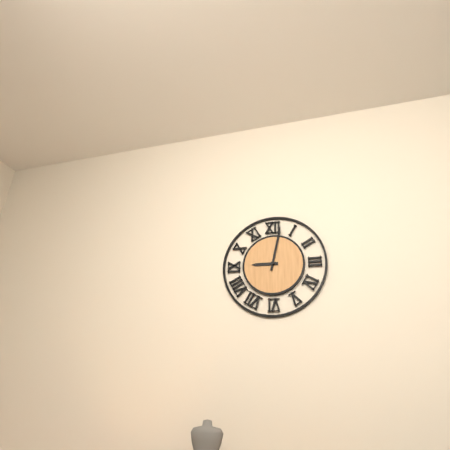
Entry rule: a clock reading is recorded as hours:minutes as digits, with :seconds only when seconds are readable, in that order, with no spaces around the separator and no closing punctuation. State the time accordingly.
9:02
